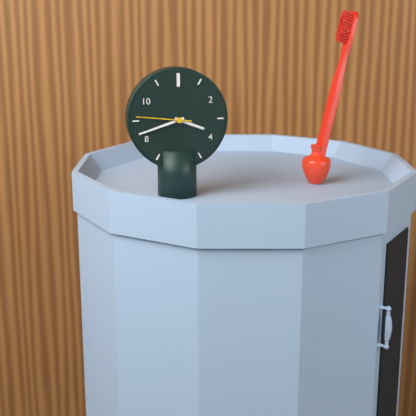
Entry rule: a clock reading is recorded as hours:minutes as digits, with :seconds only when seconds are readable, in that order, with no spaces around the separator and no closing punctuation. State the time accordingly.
3:42:46
